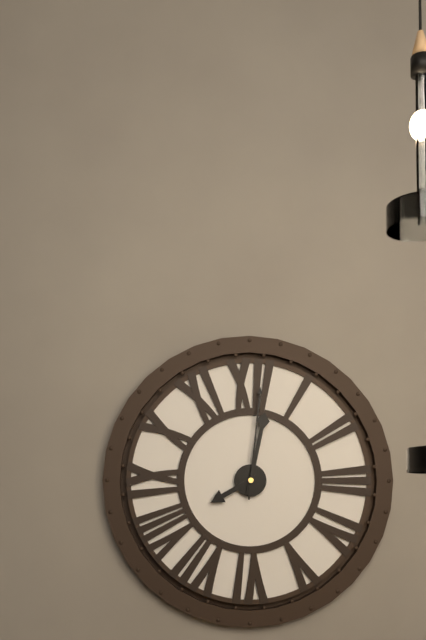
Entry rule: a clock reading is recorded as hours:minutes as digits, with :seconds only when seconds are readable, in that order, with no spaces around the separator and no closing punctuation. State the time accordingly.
8:02:01
